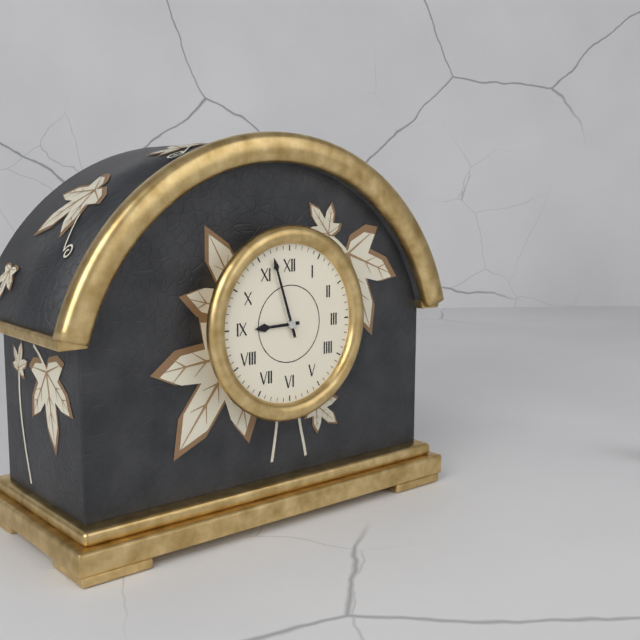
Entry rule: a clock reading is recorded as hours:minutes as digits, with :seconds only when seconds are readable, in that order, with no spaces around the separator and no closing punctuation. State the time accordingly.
8:57
